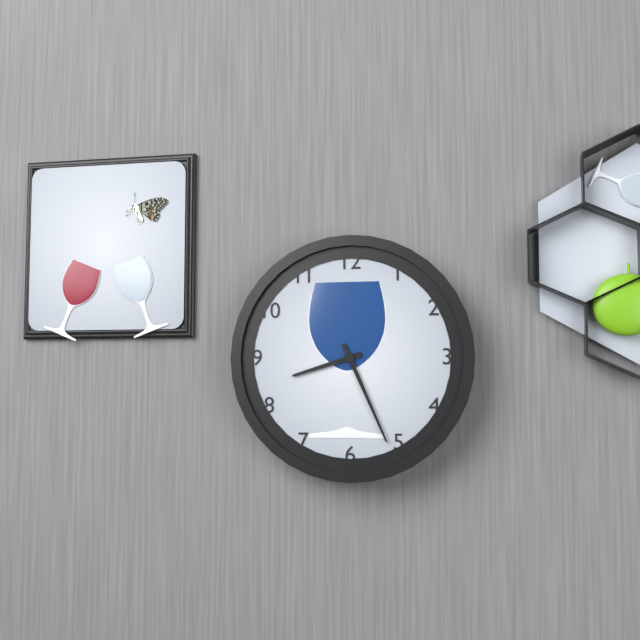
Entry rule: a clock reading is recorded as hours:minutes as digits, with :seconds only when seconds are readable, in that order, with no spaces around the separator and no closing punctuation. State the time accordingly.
8:26
